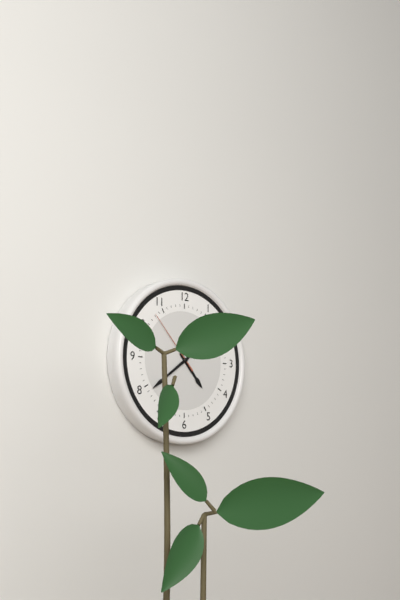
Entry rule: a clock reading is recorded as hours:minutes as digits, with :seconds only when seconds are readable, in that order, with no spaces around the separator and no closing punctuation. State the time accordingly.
4:39:53
